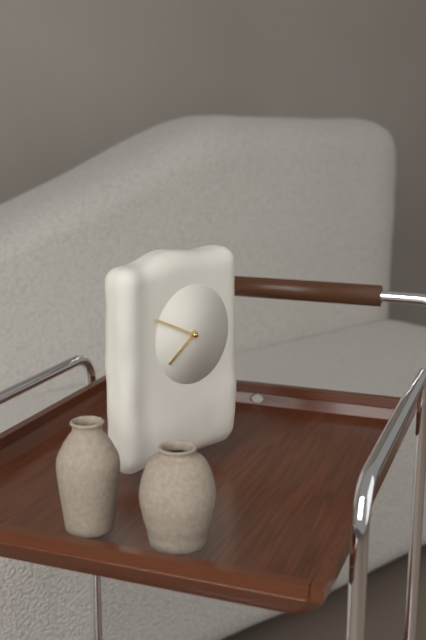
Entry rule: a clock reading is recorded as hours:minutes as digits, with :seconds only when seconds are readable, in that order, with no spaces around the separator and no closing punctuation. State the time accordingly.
7:49
